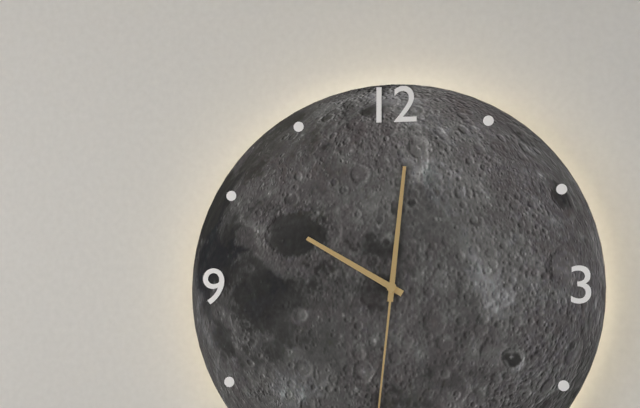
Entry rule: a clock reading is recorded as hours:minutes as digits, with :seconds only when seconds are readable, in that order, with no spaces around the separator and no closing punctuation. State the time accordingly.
10:01
